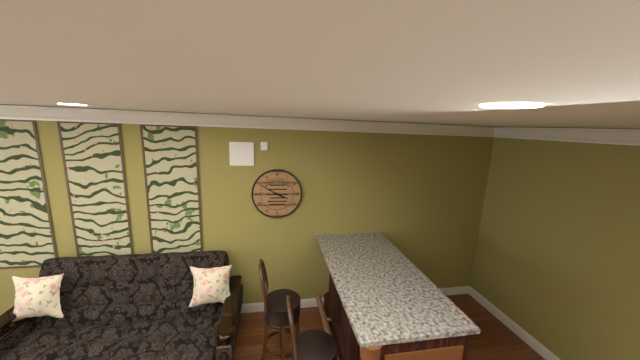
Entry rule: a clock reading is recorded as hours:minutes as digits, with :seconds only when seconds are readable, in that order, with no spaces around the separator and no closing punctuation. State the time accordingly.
3:50
